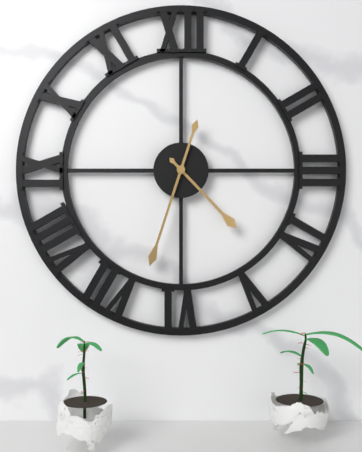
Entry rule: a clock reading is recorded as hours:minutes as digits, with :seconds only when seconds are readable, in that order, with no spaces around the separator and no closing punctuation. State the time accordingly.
4:33
